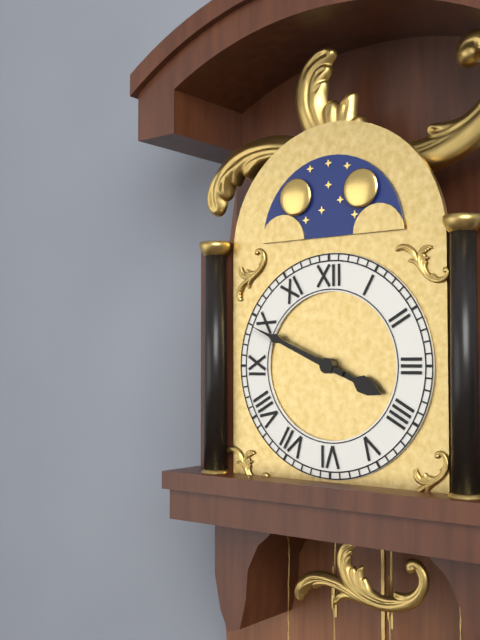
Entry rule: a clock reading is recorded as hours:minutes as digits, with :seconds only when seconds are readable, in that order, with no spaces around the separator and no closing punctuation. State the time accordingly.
3:49
